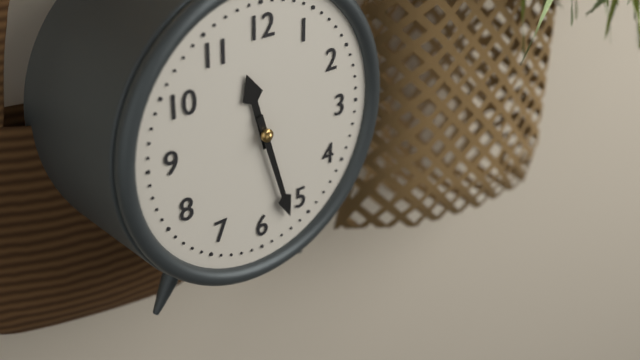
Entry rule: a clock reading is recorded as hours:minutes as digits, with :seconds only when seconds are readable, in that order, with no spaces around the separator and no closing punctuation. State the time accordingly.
11:27
